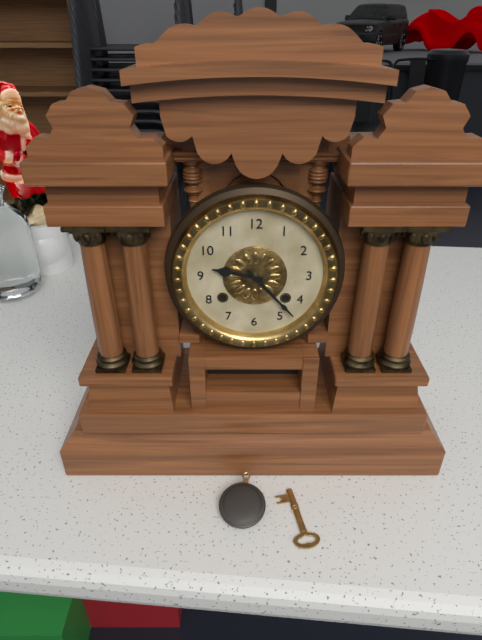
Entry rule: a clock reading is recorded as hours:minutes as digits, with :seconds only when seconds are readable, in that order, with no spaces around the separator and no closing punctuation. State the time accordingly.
9:23
